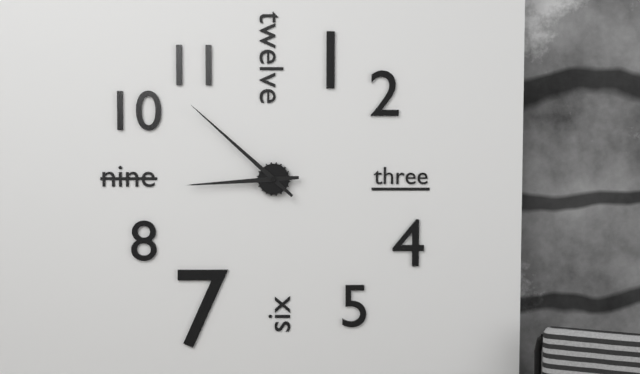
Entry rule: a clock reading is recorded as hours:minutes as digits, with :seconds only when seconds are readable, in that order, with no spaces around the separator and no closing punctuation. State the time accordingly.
8:52
